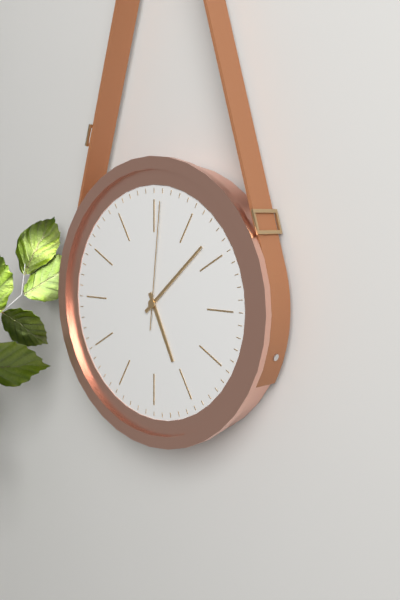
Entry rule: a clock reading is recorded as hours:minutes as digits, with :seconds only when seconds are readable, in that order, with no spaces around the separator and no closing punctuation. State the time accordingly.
5:08:01
